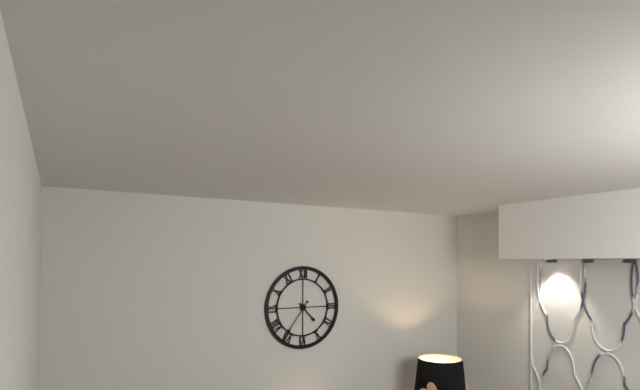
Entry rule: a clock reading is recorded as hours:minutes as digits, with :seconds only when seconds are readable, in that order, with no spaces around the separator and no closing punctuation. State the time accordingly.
4:36
